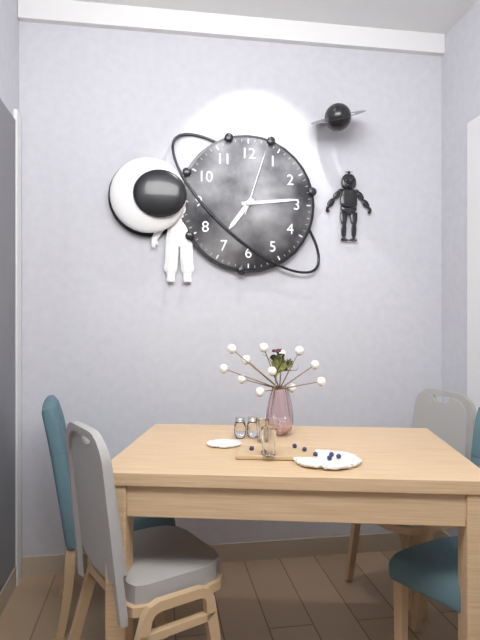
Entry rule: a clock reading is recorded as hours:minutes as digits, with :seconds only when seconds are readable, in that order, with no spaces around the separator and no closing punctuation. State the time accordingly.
7:14:03
